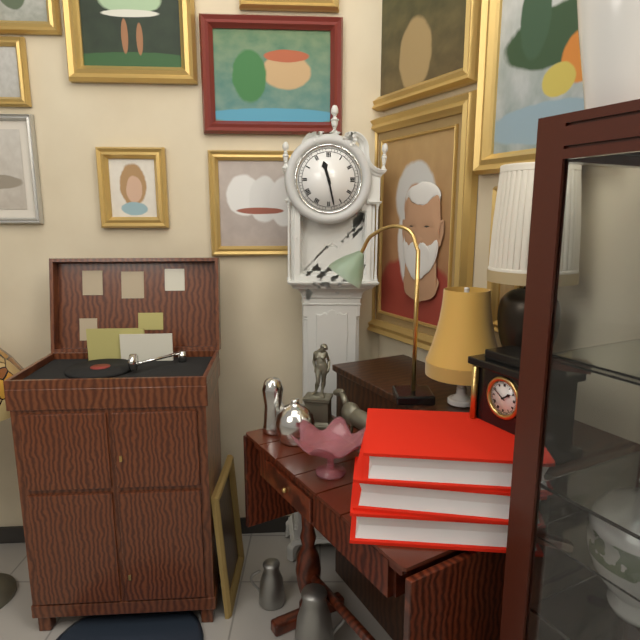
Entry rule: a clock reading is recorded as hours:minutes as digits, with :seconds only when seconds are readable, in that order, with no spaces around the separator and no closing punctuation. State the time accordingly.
11:28
